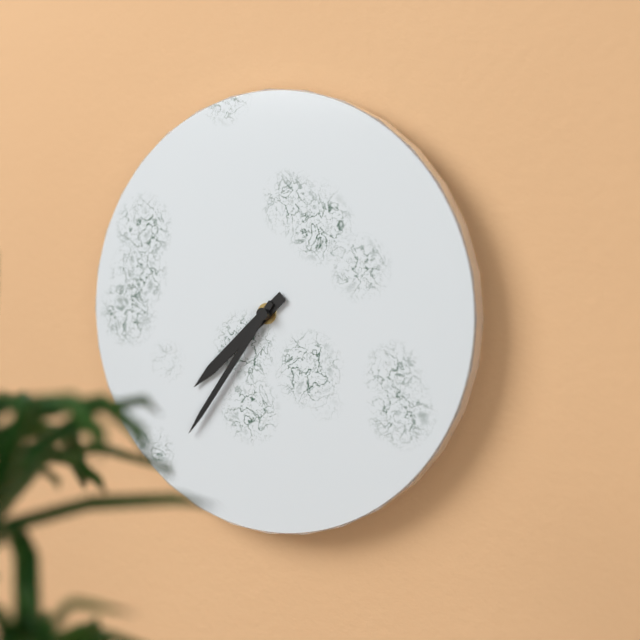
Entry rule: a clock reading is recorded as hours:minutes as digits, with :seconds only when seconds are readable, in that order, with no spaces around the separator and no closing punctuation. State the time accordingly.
7:36
